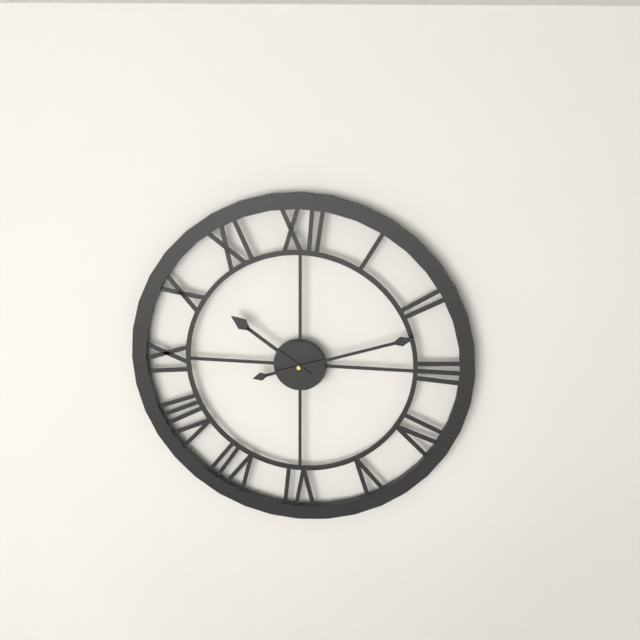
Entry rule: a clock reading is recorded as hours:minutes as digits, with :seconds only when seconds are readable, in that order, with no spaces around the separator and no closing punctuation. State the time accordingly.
10:12
